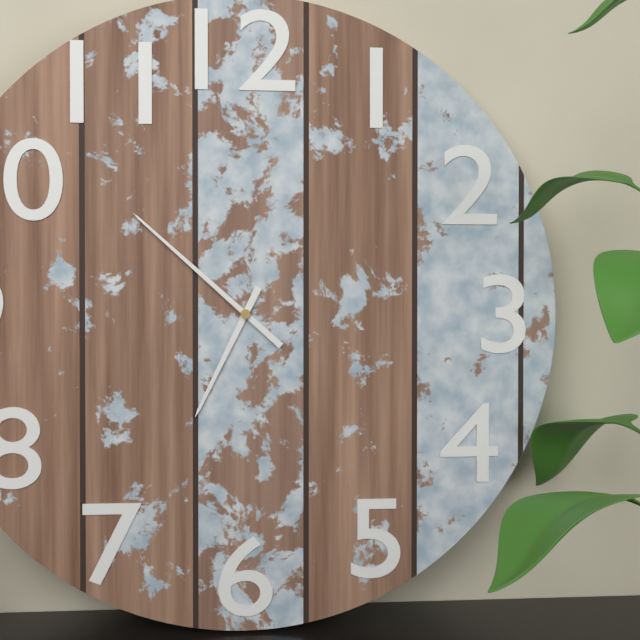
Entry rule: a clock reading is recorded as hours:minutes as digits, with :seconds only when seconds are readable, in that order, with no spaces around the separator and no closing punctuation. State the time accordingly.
6:52
